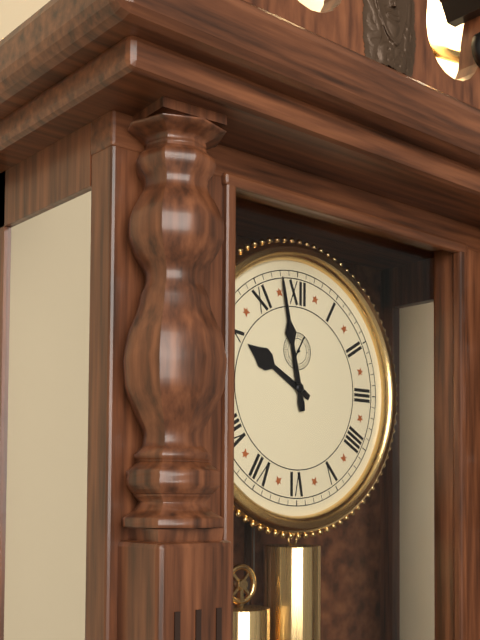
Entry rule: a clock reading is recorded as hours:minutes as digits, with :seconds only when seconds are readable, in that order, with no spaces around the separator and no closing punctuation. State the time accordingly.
9:58
